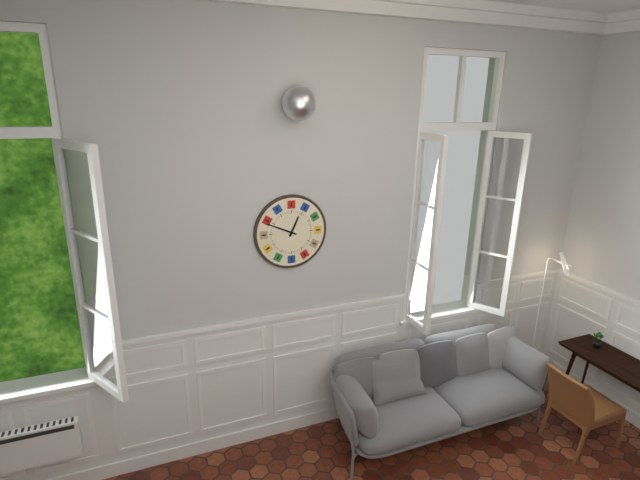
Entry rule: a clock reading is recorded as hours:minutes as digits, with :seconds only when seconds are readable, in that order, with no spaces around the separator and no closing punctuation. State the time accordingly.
12:49
